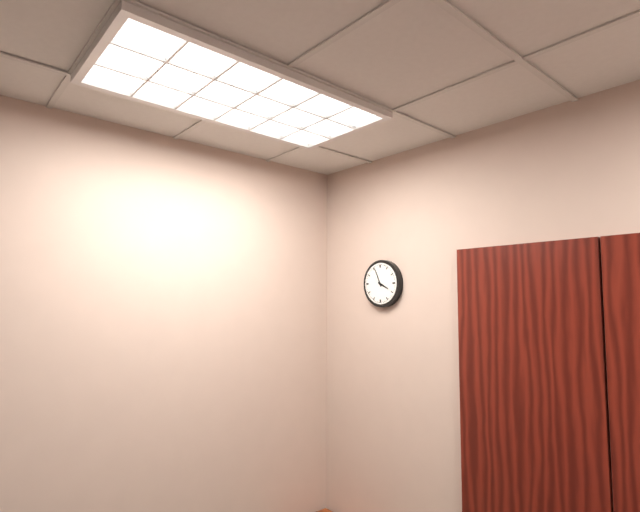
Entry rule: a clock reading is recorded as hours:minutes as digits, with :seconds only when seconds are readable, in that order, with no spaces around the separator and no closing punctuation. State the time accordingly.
3:56
